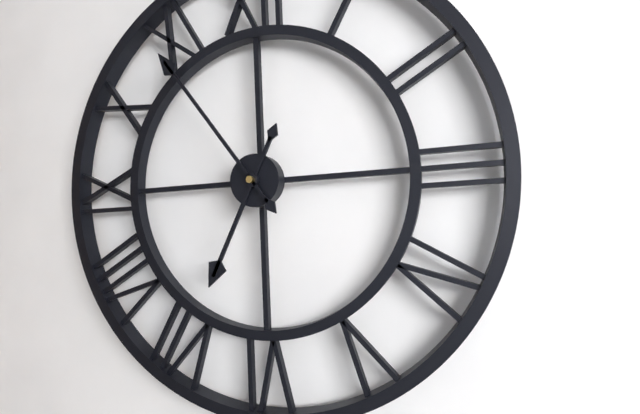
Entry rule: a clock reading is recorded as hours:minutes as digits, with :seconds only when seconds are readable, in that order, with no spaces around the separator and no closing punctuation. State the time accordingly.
6:54
